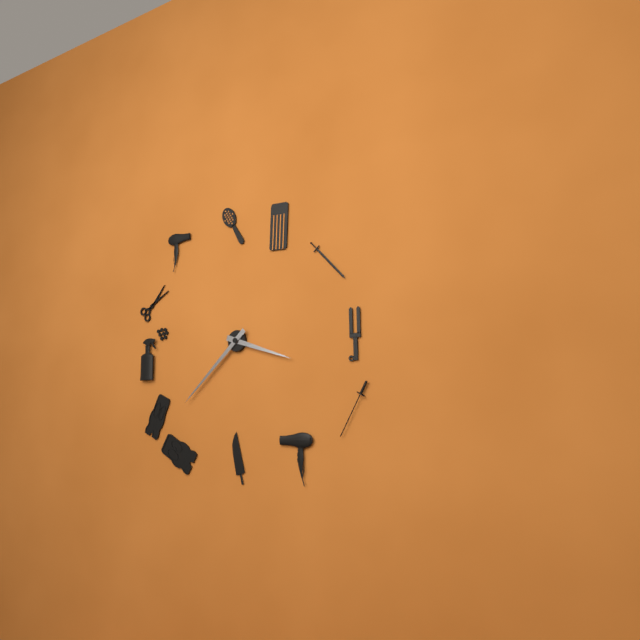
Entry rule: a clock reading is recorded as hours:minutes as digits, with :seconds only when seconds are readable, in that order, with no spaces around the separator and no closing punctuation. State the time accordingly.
3:38
